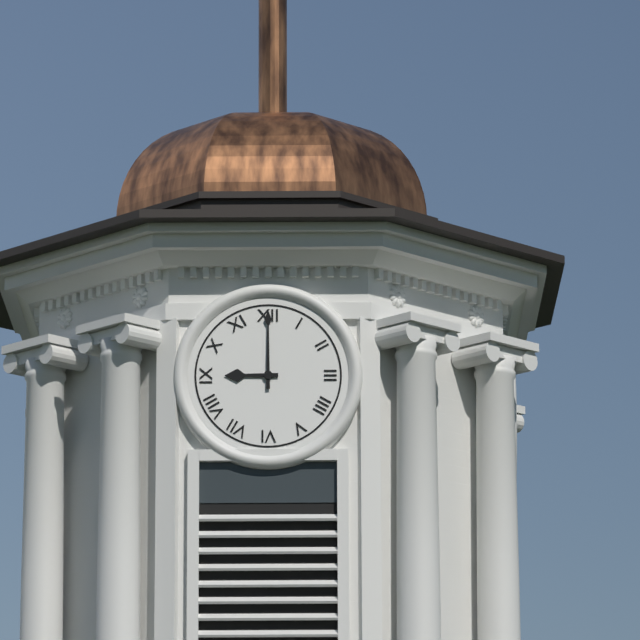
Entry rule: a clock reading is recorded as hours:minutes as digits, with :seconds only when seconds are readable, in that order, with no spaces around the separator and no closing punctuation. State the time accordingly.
9:00
